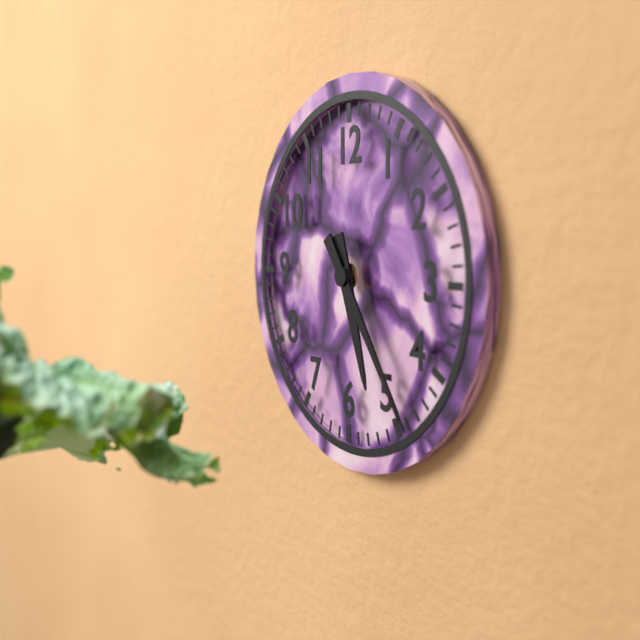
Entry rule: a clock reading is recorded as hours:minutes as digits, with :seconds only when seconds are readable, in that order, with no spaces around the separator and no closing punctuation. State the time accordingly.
5:24
